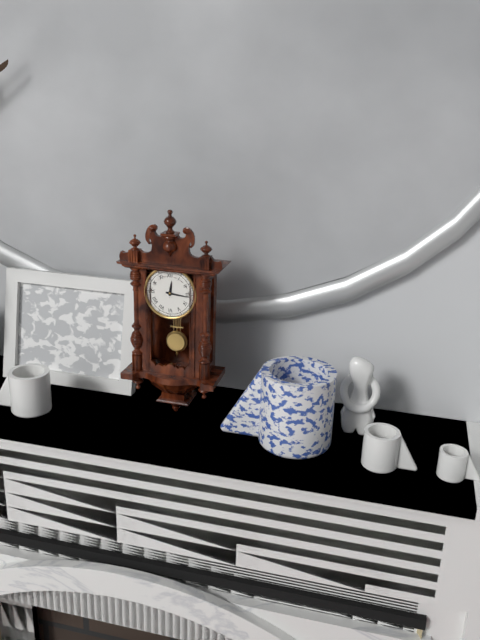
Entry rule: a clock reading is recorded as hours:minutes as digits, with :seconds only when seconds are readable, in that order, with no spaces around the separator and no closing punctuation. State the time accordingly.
12:16
